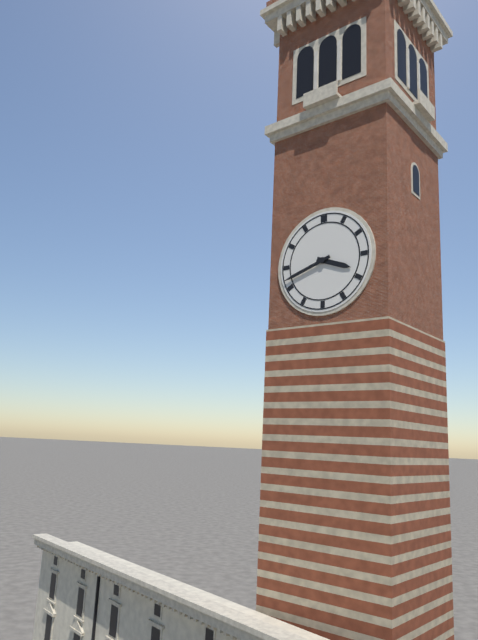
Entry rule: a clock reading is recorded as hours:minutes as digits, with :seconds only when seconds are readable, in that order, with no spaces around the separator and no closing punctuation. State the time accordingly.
3:42
